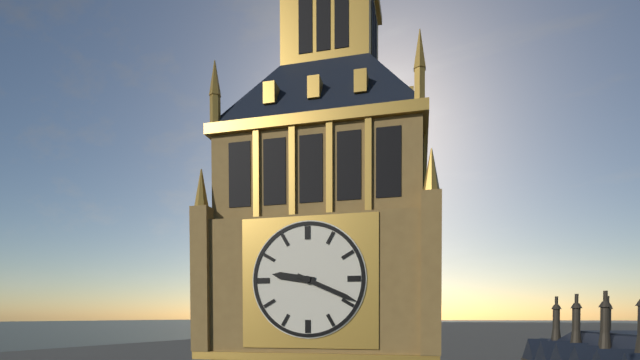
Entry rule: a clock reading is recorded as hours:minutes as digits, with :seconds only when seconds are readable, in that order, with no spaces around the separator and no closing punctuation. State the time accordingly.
9:19
